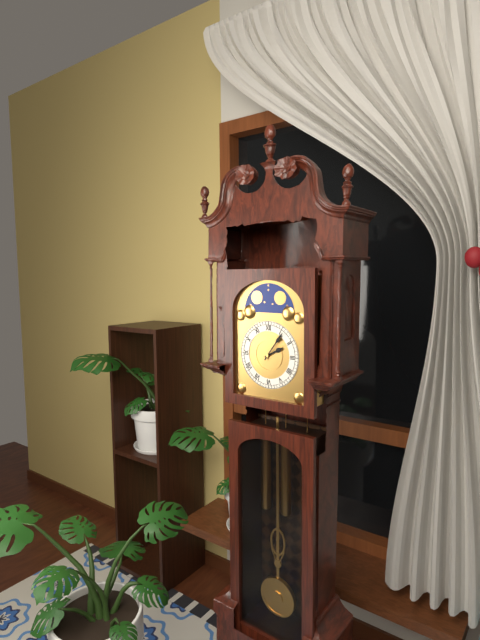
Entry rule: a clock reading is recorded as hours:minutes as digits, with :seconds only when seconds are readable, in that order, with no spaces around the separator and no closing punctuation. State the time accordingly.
2:06
